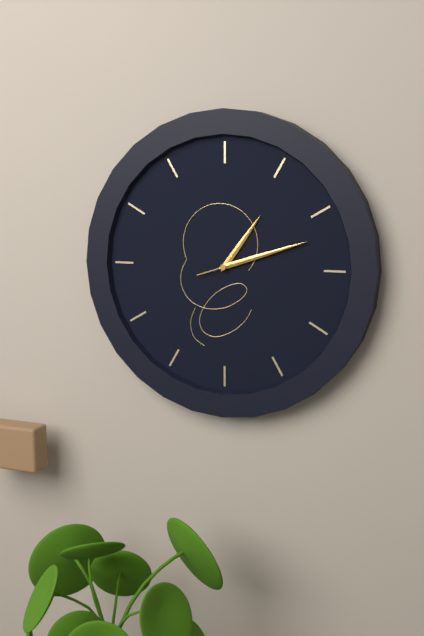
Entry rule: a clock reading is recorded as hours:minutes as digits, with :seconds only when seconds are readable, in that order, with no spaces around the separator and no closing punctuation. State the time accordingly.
1:12:12
